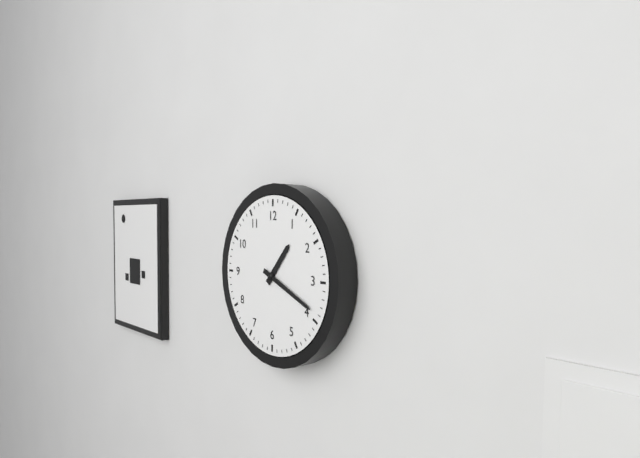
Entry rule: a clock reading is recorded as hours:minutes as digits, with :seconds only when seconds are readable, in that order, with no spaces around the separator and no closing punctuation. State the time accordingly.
1:19
